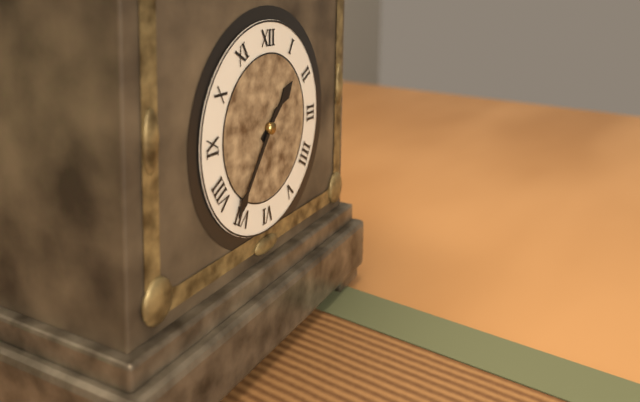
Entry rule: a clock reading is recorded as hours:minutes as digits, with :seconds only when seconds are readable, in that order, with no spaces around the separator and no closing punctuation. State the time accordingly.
1:36
